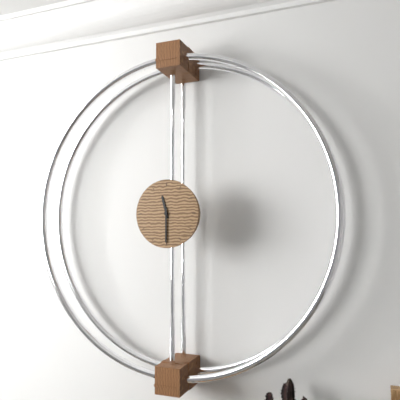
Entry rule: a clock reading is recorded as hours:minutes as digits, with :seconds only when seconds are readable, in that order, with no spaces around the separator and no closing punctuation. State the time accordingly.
11:30
